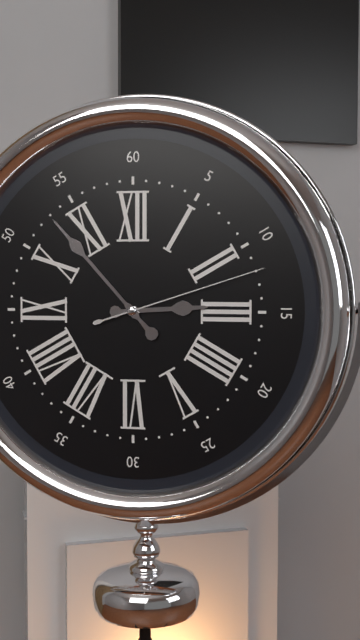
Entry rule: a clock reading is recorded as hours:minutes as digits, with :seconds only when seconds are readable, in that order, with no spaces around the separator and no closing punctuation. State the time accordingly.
2:53:12
